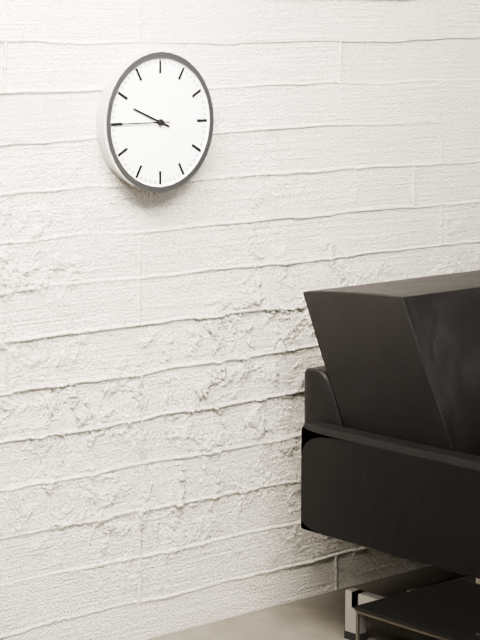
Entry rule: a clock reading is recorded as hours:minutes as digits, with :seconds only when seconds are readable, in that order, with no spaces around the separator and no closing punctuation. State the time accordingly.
9:45
